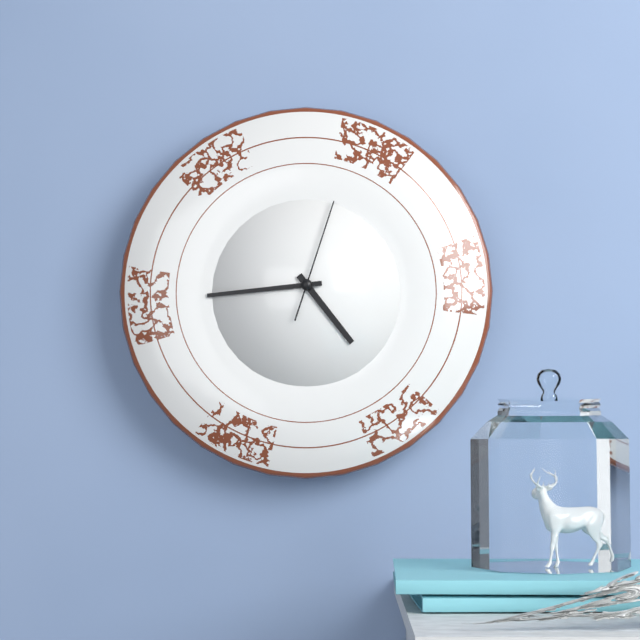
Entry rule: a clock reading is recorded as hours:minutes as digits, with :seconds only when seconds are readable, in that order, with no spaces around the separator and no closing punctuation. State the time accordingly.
4:44:03
